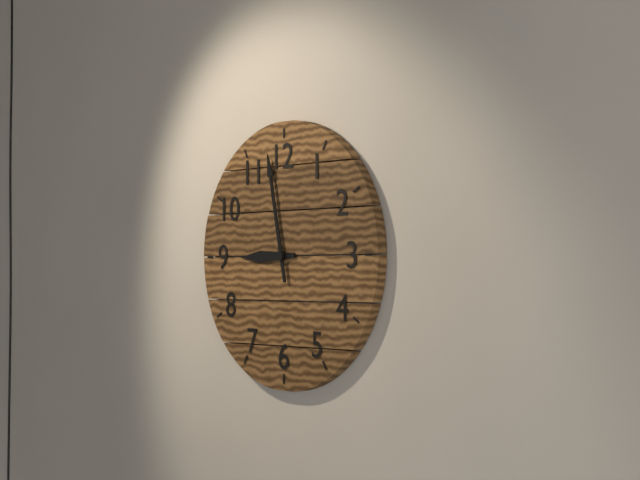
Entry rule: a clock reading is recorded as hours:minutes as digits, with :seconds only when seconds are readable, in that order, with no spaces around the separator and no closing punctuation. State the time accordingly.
8:58
